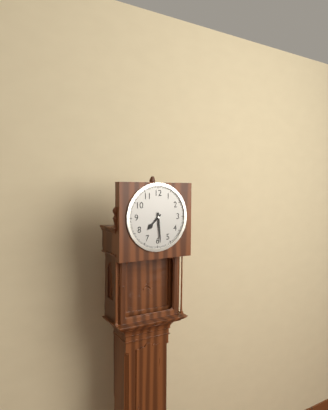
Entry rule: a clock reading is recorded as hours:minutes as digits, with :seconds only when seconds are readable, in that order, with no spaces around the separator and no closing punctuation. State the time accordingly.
7:29
